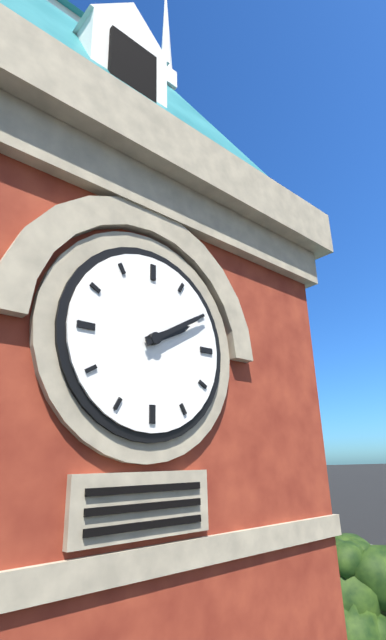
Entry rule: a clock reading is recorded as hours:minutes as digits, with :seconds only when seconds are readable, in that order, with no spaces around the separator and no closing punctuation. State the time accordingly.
2:10
